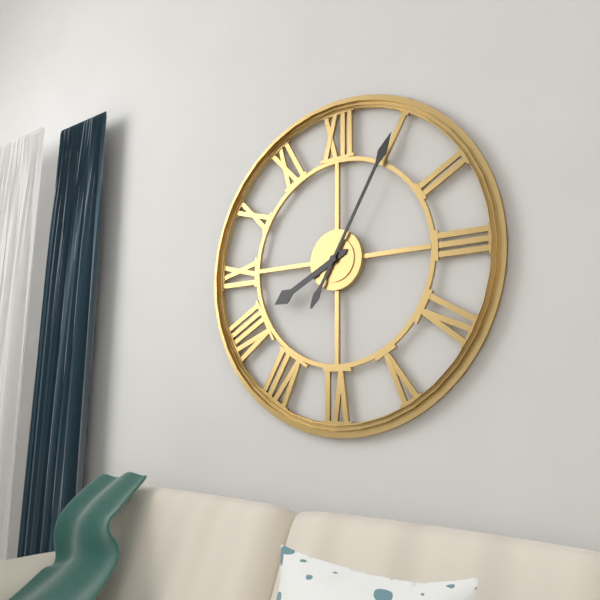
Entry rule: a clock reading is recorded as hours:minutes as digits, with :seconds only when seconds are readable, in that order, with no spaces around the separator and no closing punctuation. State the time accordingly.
8:05
